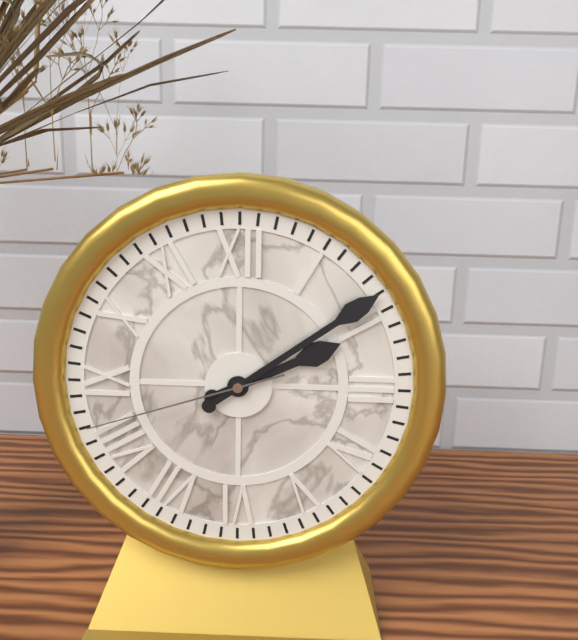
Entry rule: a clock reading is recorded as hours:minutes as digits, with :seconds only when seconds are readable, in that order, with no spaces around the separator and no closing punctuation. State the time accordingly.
2:09:42
